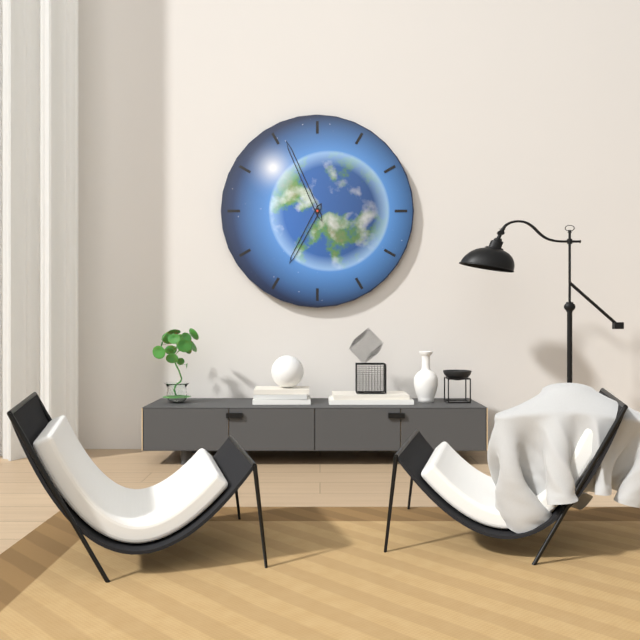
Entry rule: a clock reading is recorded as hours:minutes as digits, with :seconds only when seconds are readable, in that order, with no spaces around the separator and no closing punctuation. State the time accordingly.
6:56
